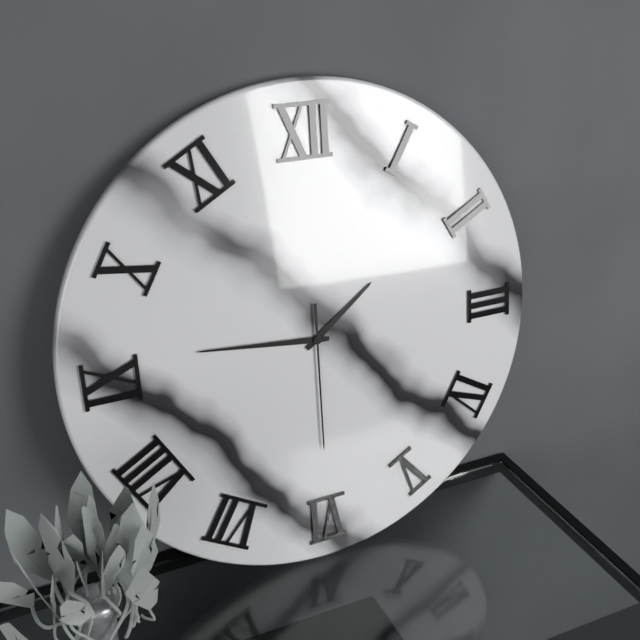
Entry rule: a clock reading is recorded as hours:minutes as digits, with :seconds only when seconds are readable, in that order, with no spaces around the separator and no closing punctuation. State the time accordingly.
1:46:30
